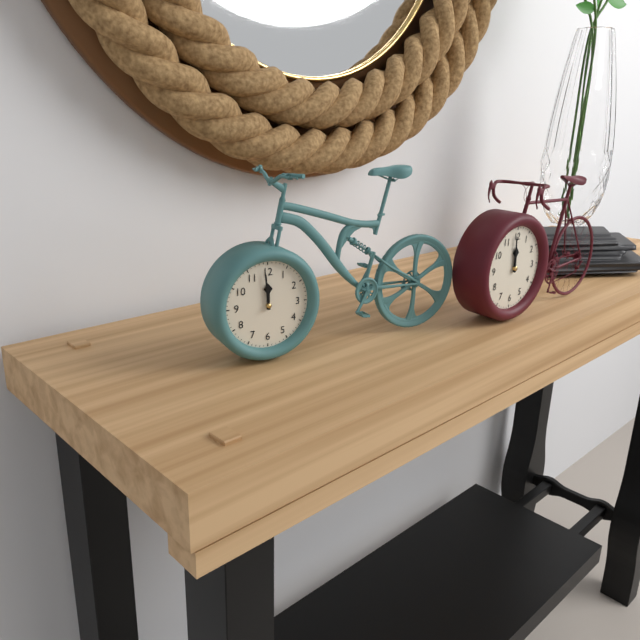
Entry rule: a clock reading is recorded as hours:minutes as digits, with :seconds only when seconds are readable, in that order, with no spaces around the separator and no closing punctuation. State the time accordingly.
11:59
